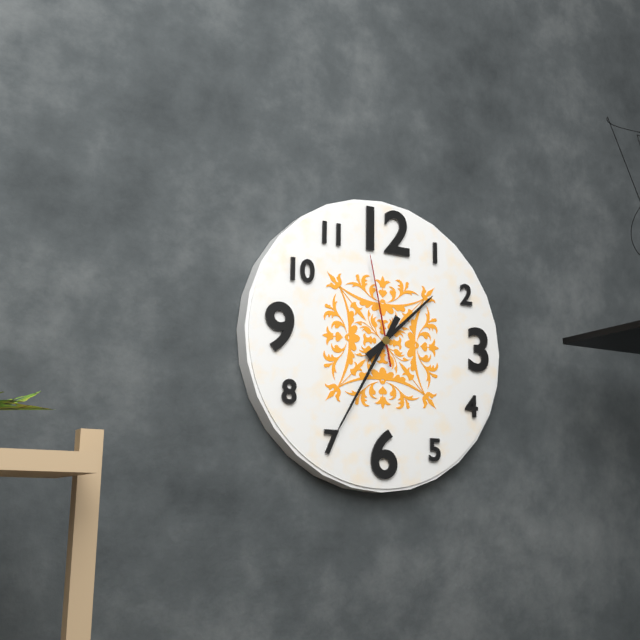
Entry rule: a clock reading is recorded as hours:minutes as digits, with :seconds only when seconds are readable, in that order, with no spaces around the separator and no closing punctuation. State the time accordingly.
1:35:58
